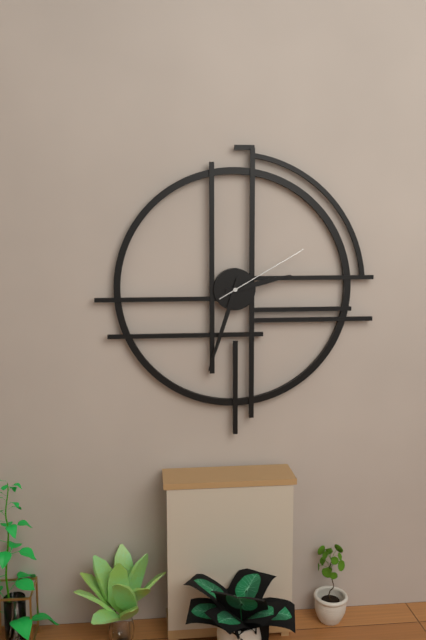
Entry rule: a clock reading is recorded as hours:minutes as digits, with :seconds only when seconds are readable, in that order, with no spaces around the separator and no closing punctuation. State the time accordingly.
2:33:10
